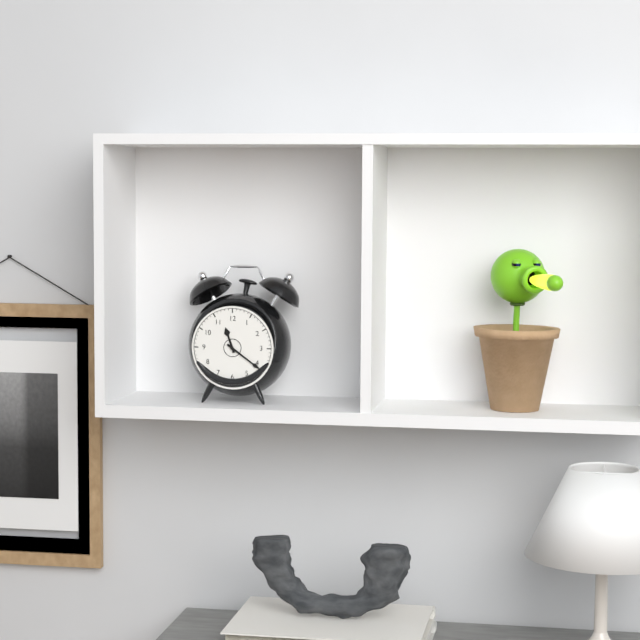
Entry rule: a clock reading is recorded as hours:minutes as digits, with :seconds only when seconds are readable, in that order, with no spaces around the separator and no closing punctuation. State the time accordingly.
11:21
